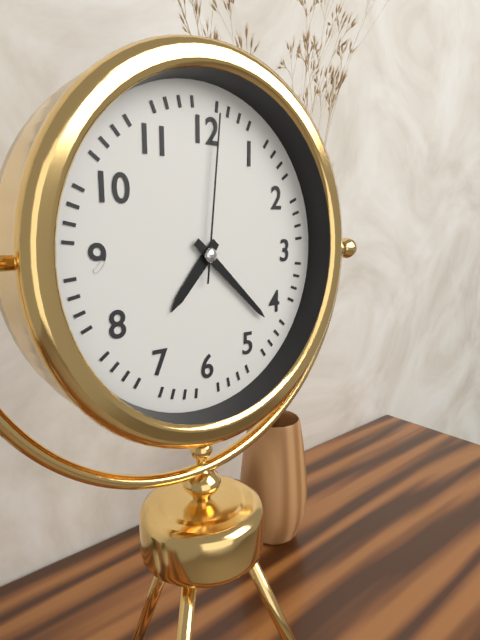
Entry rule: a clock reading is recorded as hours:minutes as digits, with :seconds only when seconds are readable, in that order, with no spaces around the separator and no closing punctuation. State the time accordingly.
7:22:01
